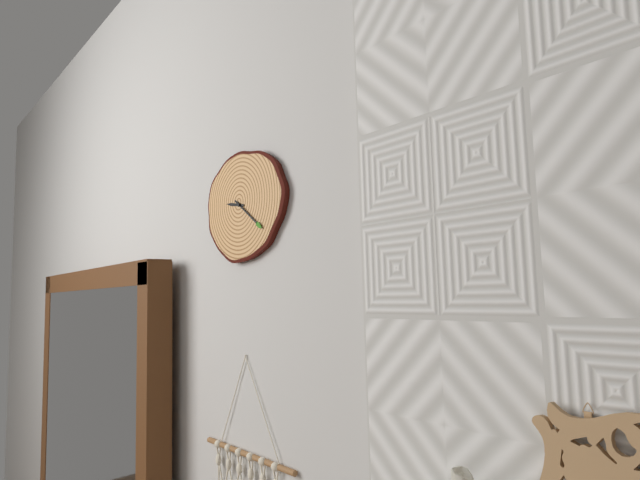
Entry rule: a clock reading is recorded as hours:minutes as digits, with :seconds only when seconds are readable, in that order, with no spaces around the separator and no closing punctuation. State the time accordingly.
9:21
